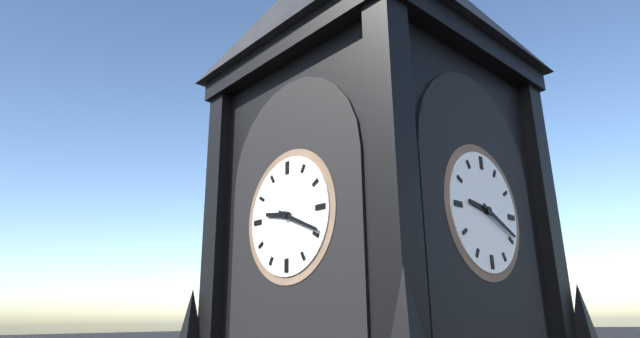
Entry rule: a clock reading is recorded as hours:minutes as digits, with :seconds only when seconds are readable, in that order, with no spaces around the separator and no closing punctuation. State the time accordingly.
9:19
